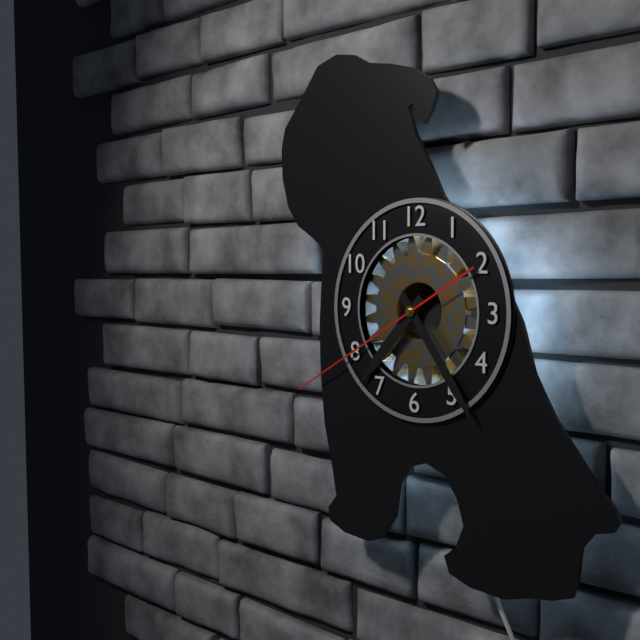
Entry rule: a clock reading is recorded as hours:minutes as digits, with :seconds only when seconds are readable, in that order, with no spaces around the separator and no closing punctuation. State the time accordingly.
7:24:40
